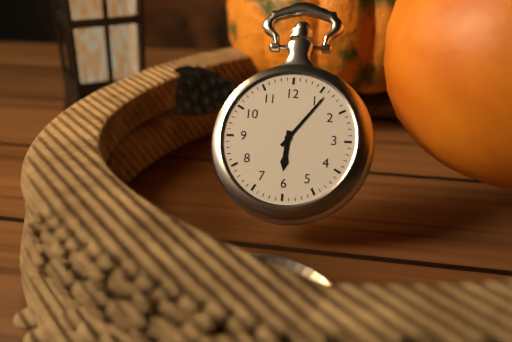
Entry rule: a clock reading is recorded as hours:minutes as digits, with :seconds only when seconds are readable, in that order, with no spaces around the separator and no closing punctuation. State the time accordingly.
6:06
